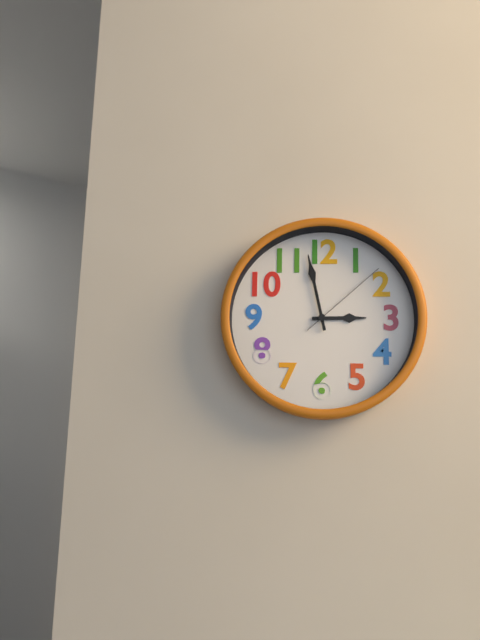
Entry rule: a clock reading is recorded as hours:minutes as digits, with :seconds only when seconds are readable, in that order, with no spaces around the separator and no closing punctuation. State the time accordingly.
2:58:08
